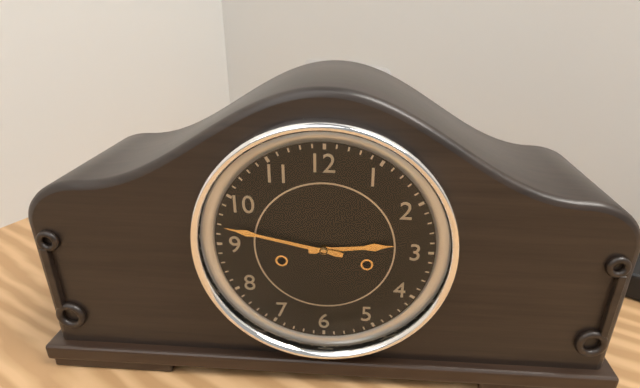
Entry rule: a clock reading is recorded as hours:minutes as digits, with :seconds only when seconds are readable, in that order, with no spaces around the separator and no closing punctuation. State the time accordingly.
2:47
